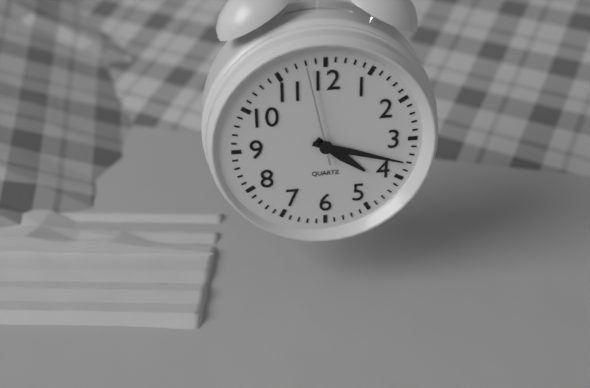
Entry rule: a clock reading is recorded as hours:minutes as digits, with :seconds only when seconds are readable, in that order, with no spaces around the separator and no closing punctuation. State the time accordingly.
4:18:58
